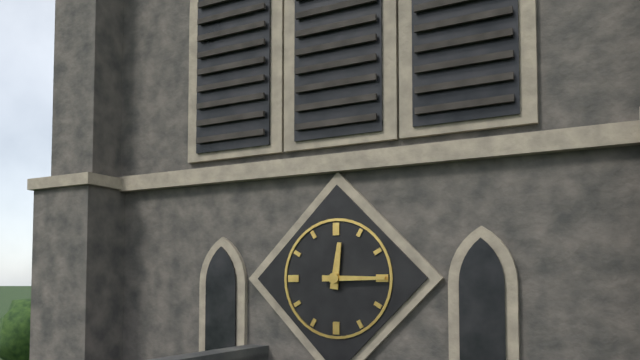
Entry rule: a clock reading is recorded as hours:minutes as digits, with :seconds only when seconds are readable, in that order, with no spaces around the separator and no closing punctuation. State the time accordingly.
12:15
